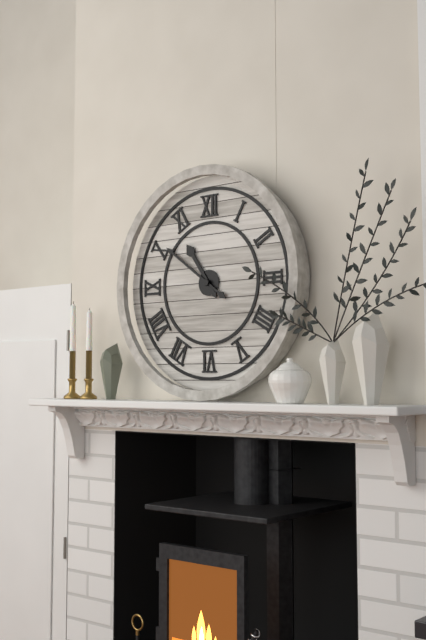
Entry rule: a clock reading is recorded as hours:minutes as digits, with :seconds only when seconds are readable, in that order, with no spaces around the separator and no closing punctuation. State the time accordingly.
10:51
